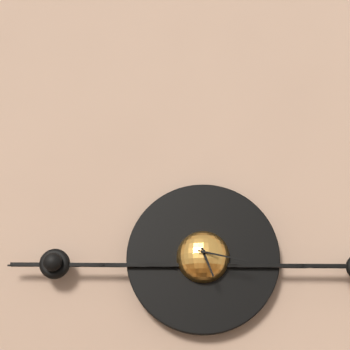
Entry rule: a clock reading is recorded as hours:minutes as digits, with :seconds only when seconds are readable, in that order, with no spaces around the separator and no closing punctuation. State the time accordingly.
5:17
